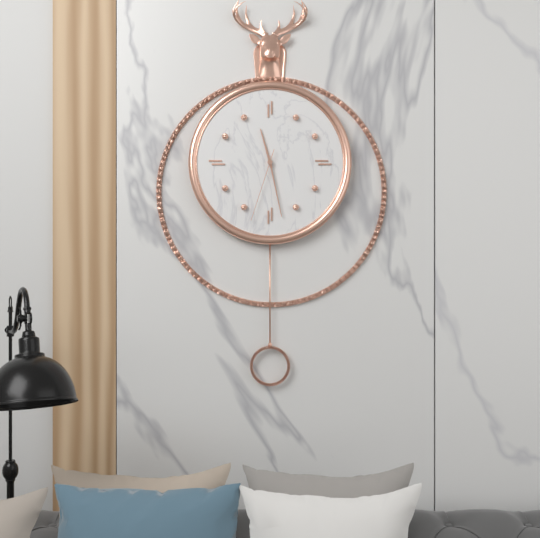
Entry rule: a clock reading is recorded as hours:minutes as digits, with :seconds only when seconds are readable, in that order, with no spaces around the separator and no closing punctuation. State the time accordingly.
11:28:33
